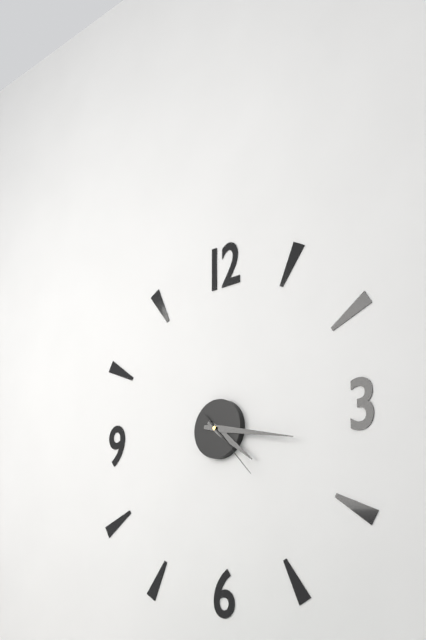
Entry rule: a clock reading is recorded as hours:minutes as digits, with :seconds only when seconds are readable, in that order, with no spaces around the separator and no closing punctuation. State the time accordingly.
4:17:23
